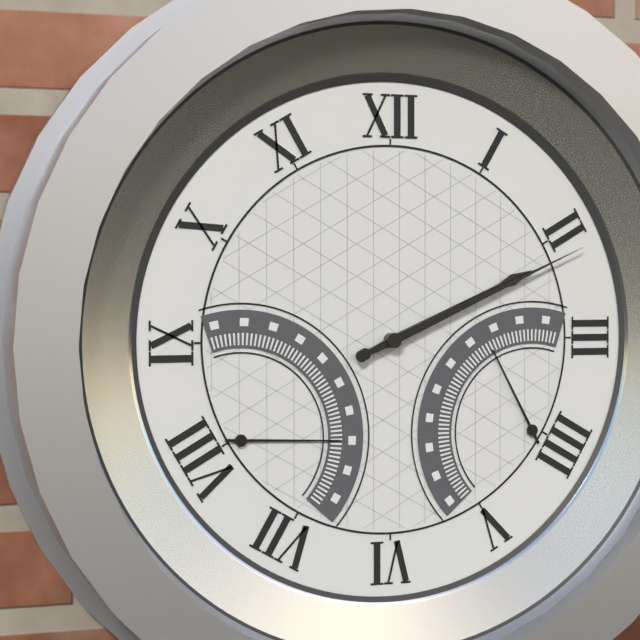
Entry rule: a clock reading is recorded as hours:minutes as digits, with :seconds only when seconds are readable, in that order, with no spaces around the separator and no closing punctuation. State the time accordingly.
2:11
